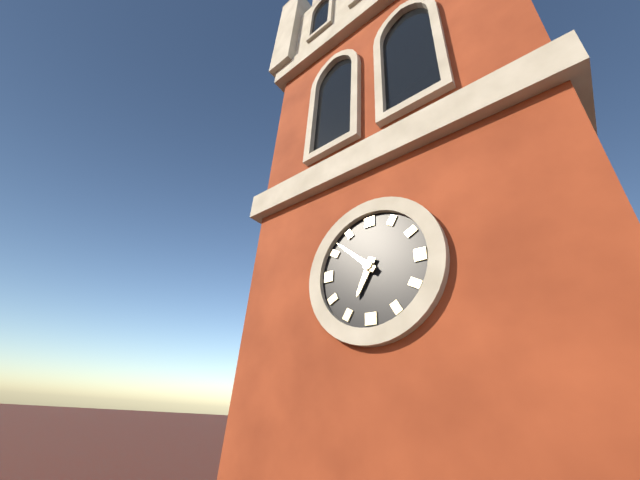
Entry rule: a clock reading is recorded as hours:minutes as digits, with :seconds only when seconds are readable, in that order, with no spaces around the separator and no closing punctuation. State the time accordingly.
6:52
